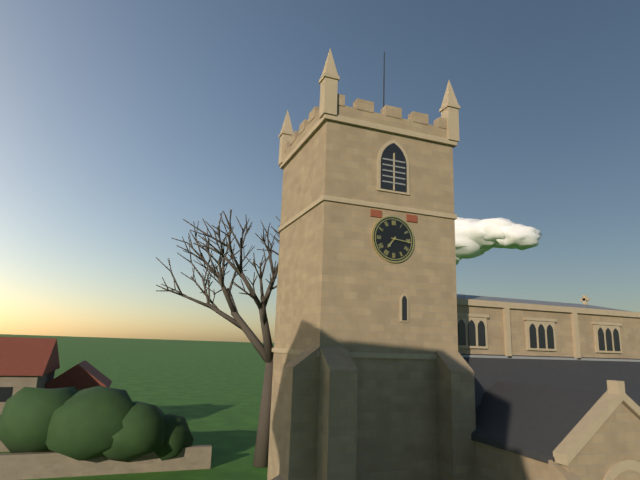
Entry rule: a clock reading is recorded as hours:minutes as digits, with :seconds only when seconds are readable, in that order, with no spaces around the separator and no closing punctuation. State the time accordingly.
7:16
